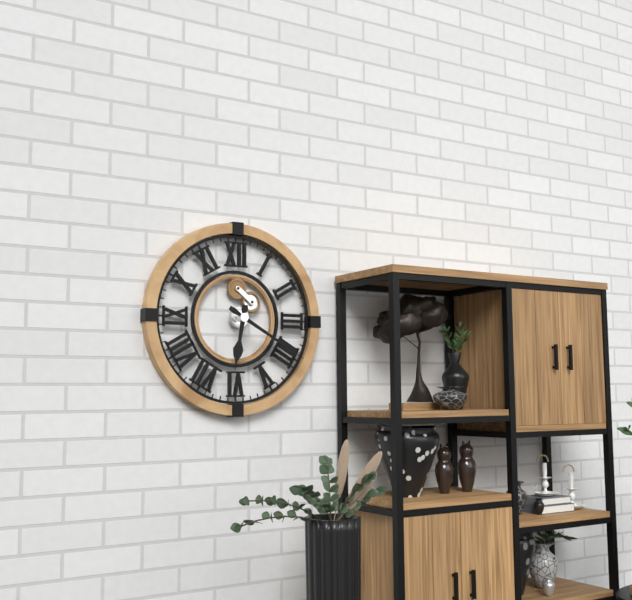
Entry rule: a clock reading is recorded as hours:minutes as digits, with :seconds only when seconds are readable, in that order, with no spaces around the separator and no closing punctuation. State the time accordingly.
6:20
